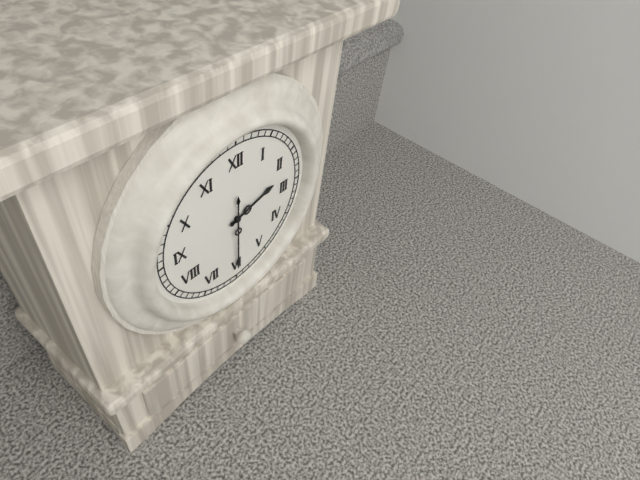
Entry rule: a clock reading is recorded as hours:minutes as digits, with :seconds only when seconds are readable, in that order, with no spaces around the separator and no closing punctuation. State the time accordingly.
2:30
